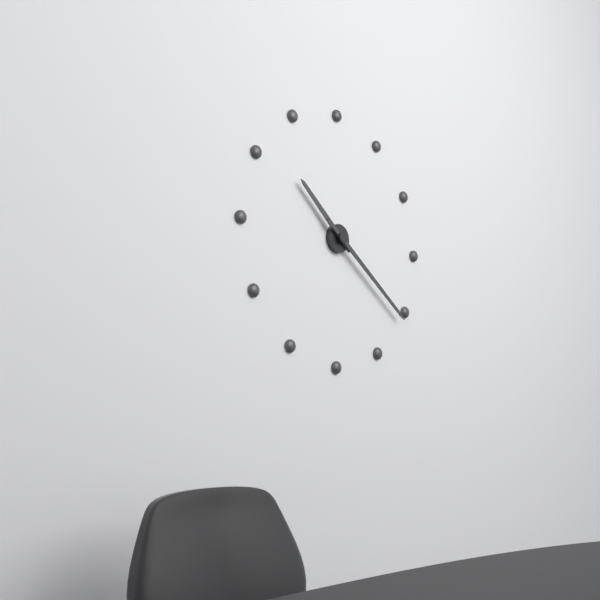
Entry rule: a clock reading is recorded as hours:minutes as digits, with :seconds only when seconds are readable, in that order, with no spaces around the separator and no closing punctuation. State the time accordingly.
10:21
